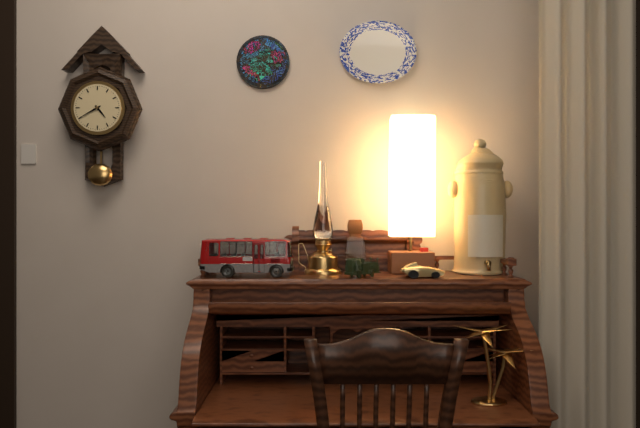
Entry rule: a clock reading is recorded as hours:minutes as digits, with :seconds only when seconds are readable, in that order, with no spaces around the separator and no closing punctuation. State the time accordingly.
4:40
